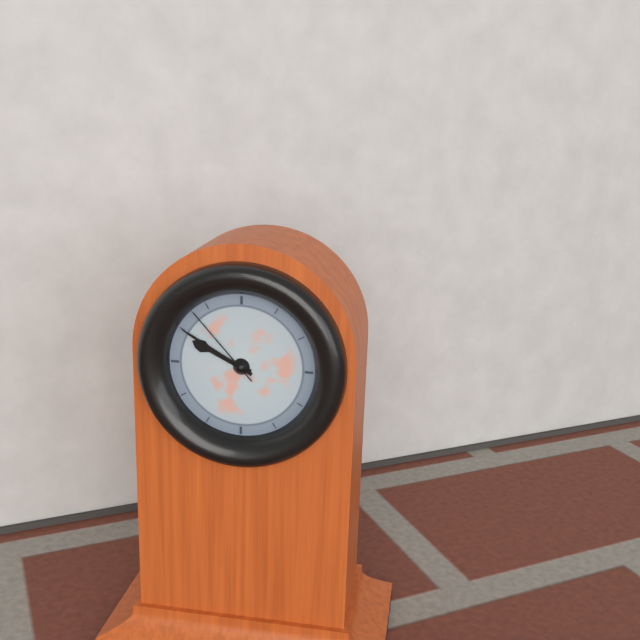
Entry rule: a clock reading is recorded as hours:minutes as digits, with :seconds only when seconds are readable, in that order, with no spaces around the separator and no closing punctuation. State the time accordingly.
9:50:53
